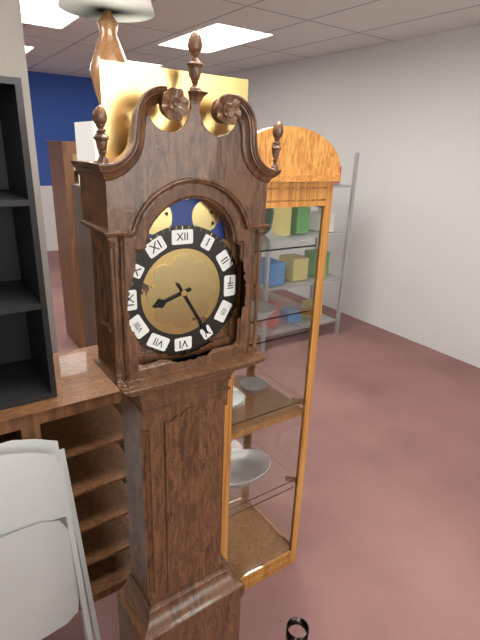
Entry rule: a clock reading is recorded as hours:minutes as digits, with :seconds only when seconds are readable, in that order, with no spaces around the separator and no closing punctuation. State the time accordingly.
8:25
